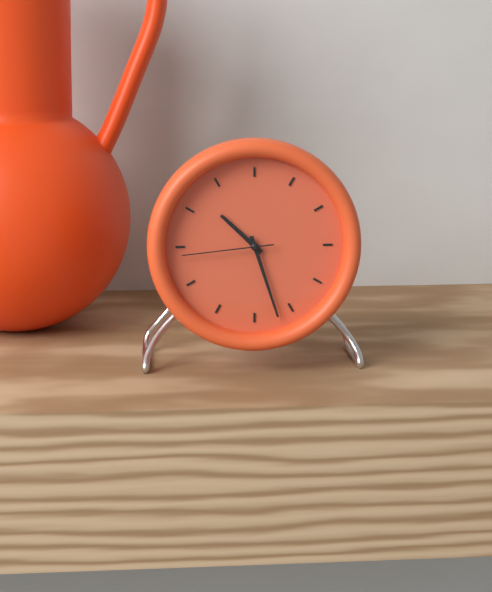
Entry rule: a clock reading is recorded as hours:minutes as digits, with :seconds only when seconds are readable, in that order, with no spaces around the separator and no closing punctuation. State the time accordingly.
10:27:44
